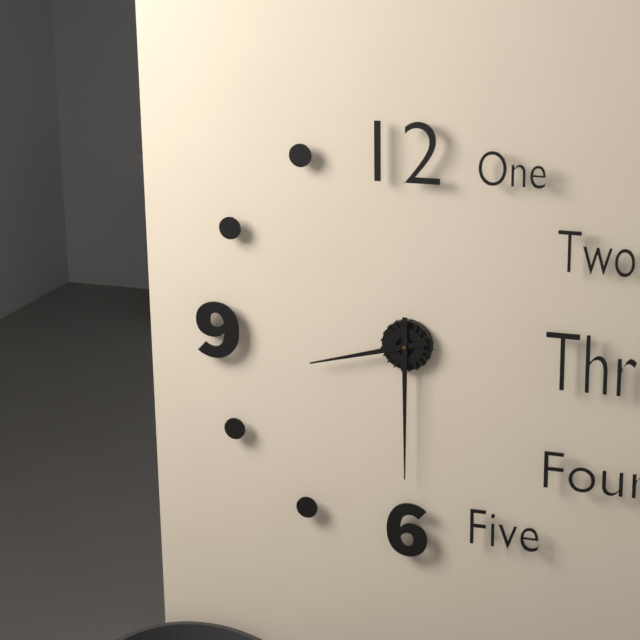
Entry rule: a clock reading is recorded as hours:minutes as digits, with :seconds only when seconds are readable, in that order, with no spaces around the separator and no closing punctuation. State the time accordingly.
8:30
